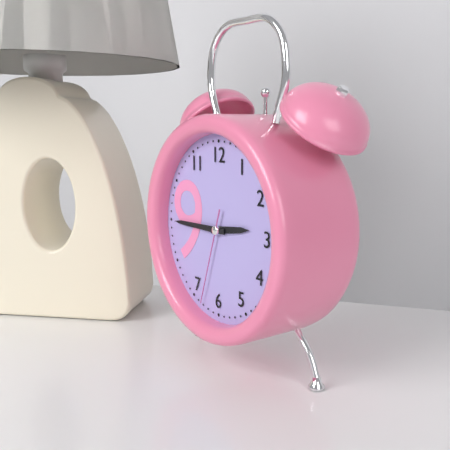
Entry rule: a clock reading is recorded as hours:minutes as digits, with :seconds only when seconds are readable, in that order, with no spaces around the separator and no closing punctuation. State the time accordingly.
2:45:33
